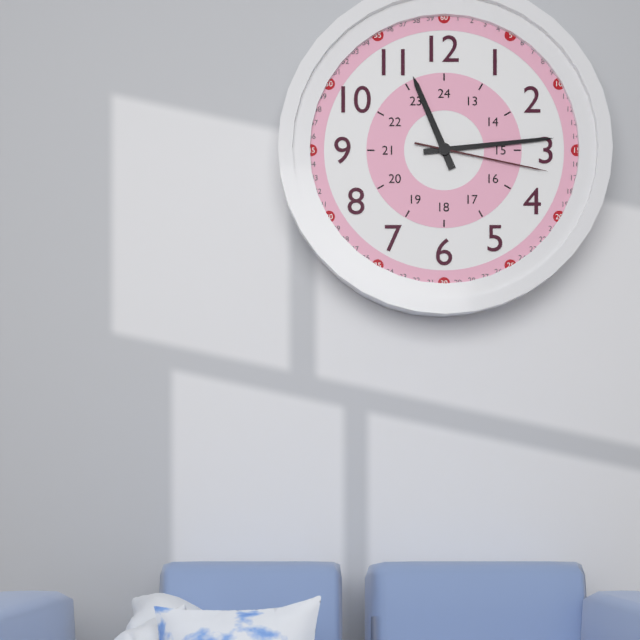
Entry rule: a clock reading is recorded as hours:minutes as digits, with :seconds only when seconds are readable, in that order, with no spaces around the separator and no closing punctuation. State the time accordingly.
11:14:17
